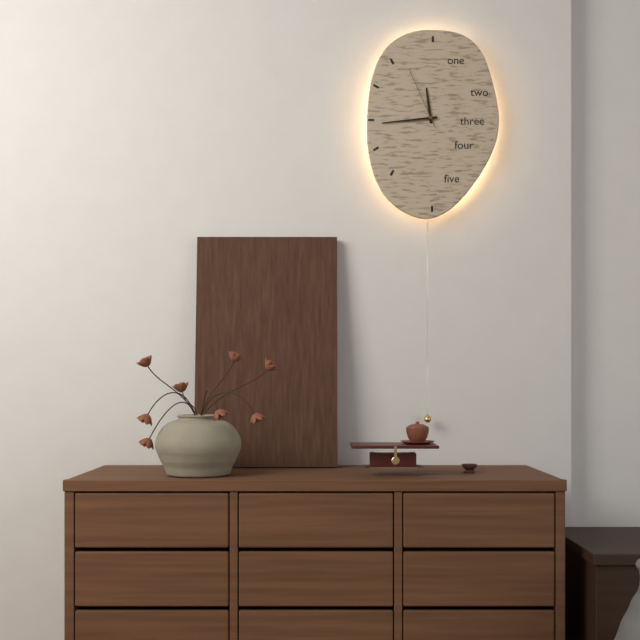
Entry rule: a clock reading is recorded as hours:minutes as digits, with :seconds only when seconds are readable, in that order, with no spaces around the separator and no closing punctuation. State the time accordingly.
11:44:56
